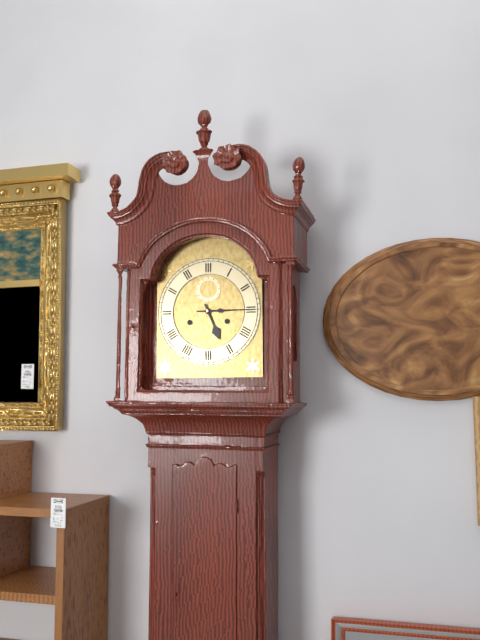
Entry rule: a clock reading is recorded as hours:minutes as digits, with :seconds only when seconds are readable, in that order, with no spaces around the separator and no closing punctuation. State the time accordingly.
5:15
